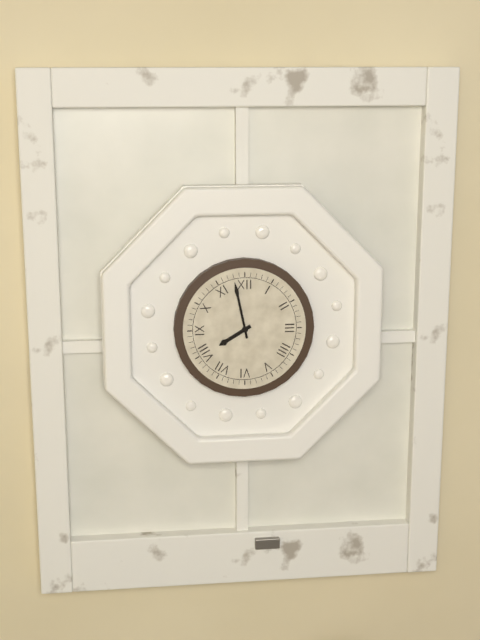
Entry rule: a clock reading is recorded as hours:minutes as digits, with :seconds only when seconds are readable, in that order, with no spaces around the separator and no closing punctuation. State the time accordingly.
7:58
